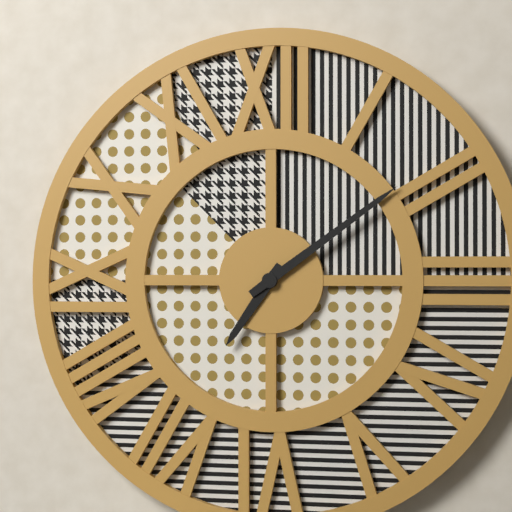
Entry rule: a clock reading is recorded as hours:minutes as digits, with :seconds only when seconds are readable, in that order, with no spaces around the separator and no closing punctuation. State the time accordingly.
7:09
